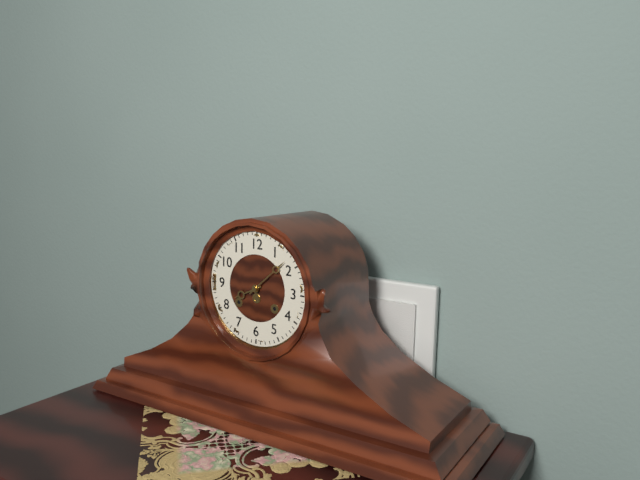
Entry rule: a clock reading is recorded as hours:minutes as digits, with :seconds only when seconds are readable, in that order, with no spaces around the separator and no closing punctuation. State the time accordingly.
8:08
